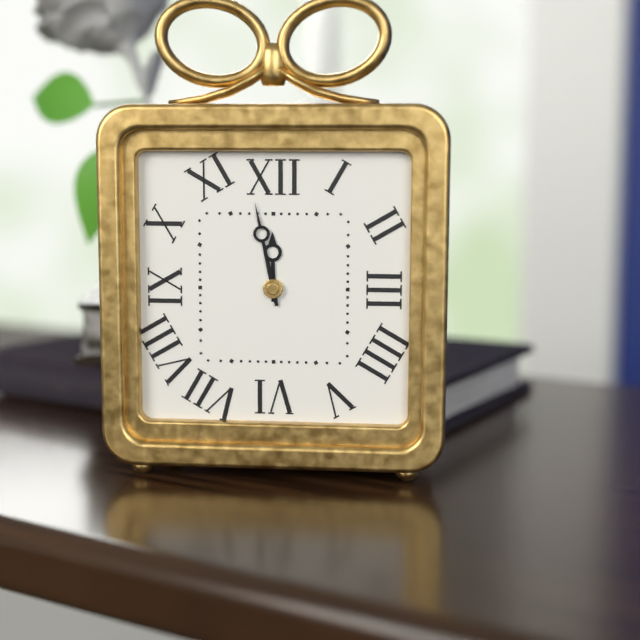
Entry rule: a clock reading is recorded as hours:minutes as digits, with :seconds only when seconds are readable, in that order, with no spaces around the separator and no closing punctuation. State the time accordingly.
11:58
